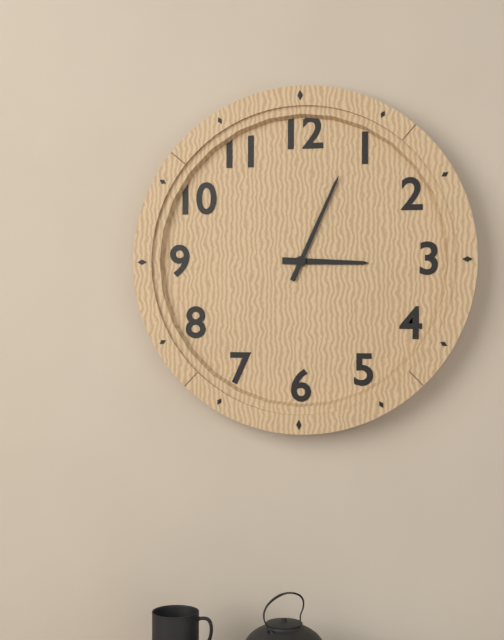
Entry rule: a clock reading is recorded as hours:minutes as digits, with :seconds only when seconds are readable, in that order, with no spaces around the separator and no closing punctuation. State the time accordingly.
3:04
